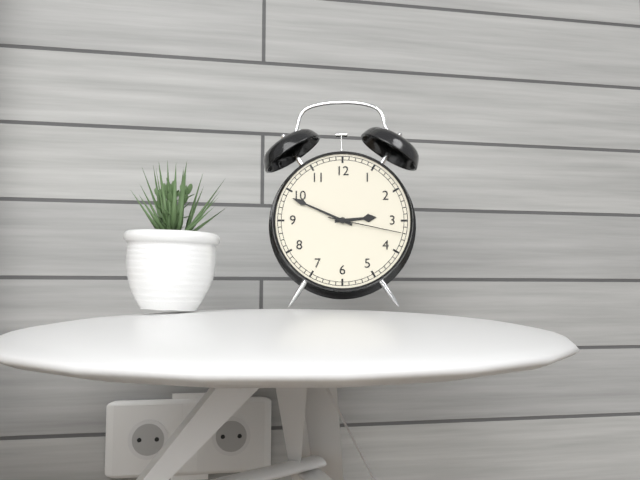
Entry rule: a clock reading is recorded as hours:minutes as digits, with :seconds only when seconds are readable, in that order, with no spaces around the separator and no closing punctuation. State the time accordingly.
2:49:17
